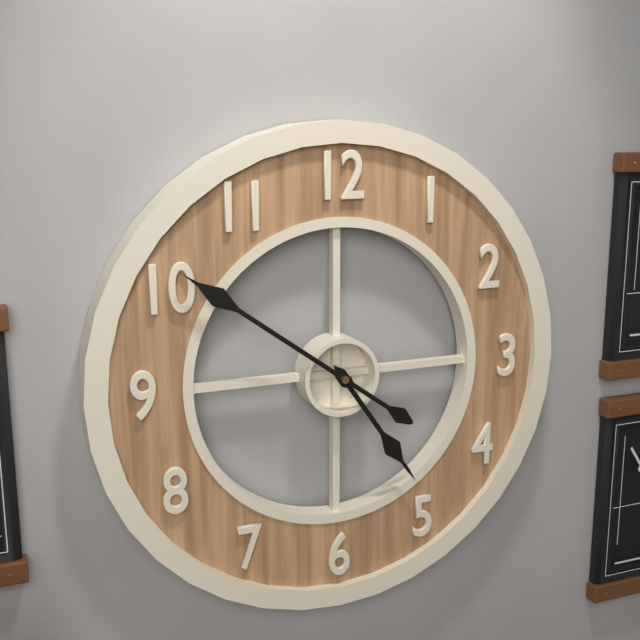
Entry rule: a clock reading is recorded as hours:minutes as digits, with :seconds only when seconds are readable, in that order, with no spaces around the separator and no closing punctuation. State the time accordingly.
4:51
